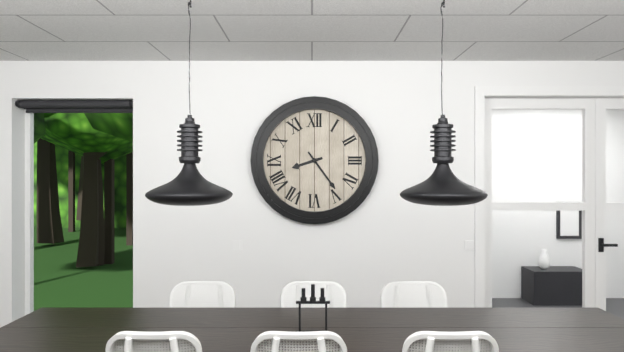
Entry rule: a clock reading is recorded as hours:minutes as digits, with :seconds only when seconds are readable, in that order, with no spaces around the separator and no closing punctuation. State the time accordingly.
8:24
